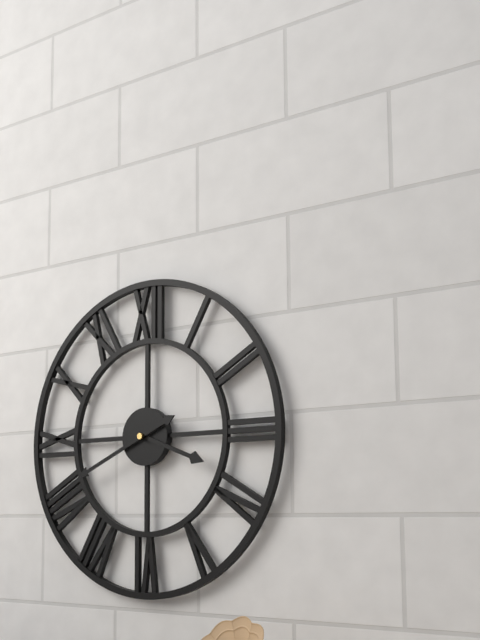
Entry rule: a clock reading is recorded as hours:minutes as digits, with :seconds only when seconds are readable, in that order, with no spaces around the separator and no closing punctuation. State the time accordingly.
3:41
